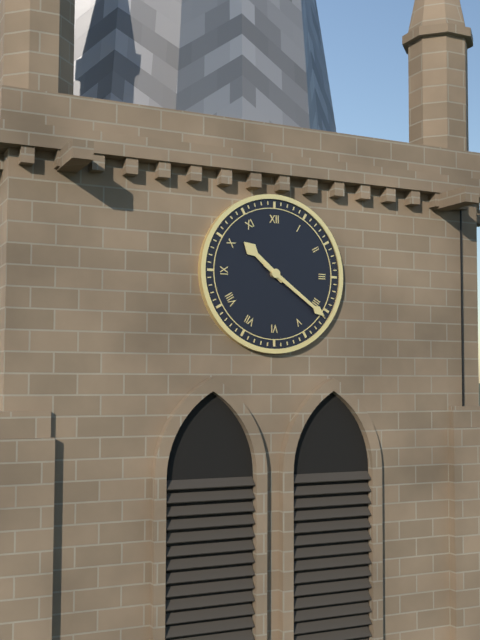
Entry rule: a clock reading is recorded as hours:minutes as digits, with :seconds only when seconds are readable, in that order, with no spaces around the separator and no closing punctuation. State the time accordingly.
10:21
